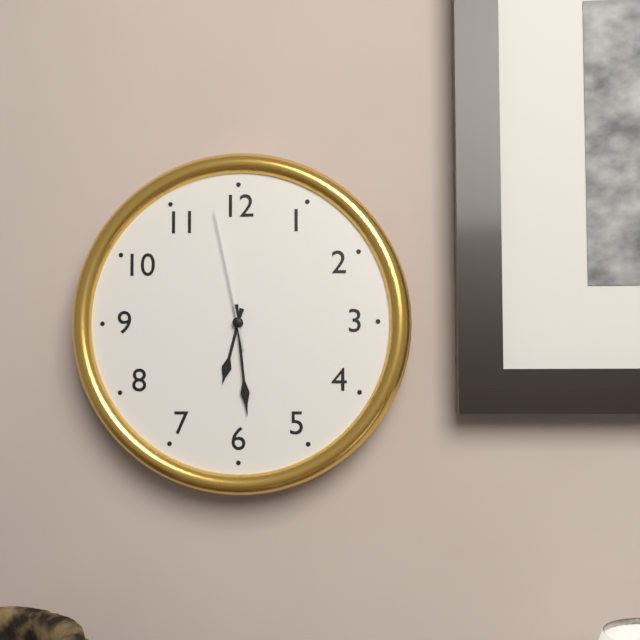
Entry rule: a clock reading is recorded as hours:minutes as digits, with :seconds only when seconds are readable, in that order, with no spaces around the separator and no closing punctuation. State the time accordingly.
6:29:58
